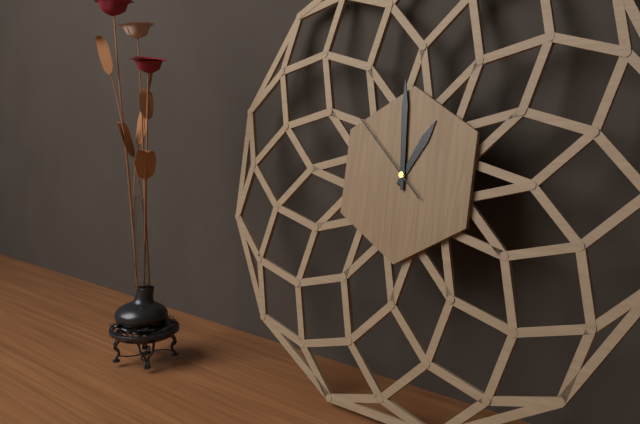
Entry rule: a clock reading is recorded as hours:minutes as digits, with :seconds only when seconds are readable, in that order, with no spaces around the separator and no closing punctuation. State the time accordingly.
12:59:52
